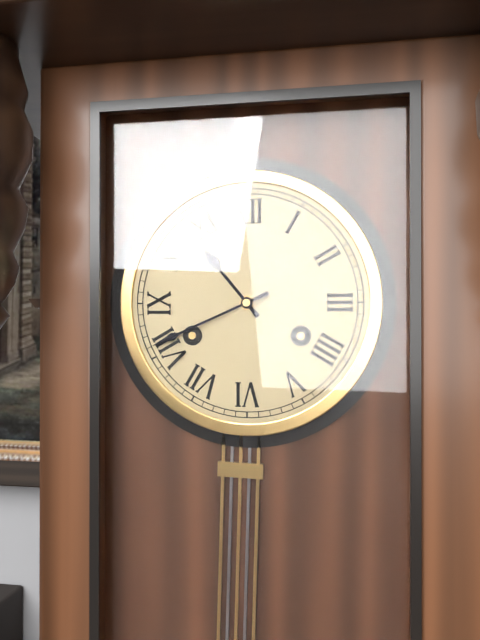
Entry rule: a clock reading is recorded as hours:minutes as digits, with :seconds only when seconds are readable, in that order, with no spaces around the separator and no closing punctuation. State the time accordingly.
10:41
